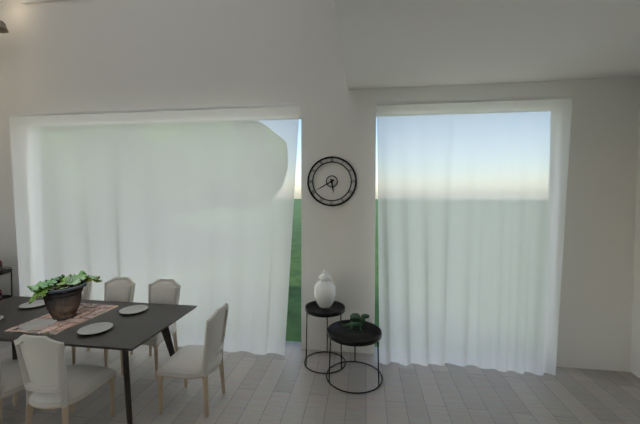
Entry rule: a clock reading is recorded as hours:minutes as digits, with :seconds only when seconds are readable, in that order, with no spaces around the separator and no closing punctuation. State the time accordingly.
5:40
